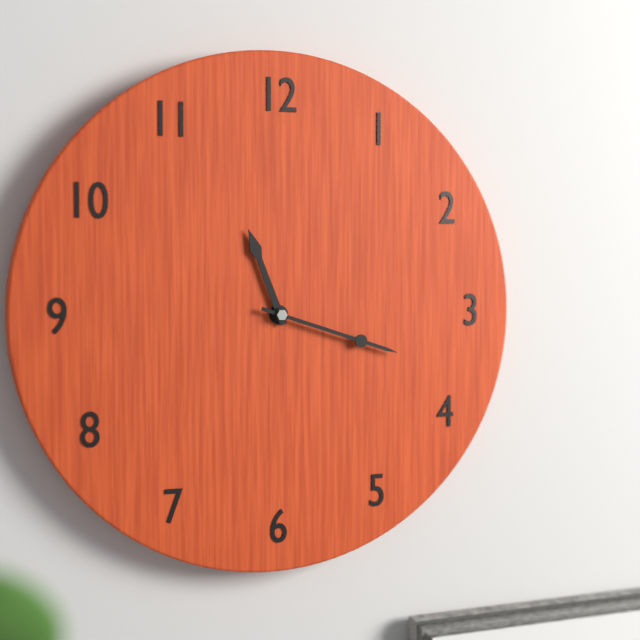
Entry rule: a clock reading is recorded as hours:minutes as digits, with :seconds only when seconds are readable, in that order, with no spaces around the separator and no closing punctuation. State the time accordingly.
11:18
